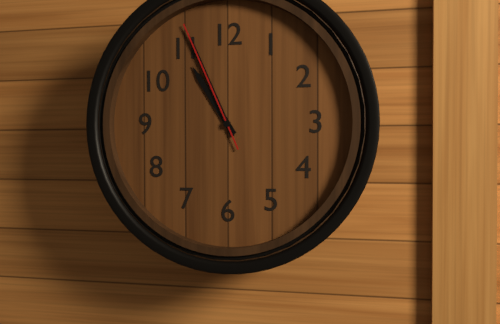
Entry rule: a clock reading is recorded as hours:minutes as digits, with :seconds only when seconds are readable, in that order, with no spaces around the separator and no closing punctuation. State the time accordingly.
10:56:56
